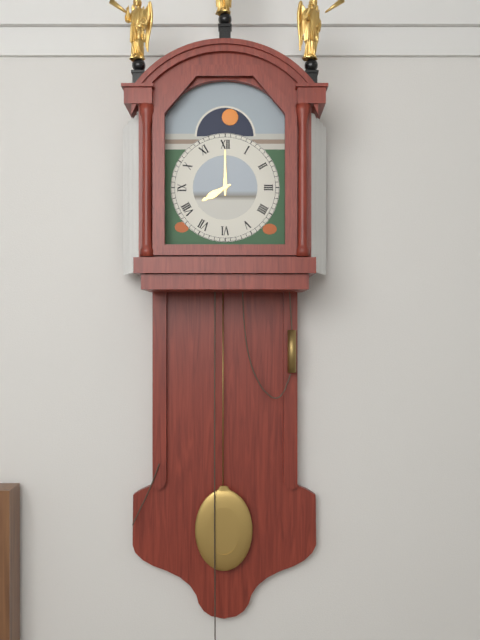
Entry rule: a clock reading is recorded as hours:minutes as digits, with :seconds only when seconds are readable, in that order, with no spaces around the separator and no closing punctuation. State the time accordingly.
8:00
